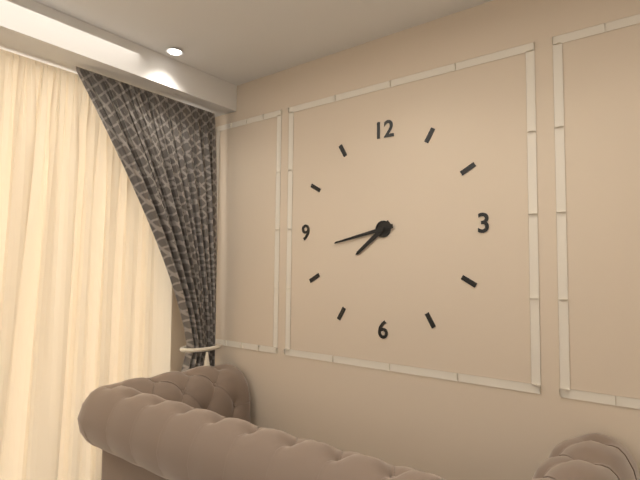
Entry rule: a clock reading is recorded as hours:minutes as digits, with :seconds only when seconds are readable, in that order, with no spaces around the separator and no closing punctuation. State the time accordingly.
7:43
